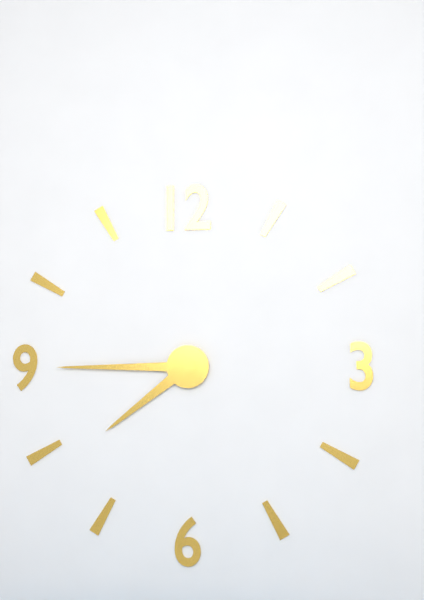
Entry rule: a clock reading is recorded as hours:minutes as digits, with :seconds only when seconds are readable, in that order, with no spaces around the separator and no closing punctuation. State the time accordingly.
7:45
